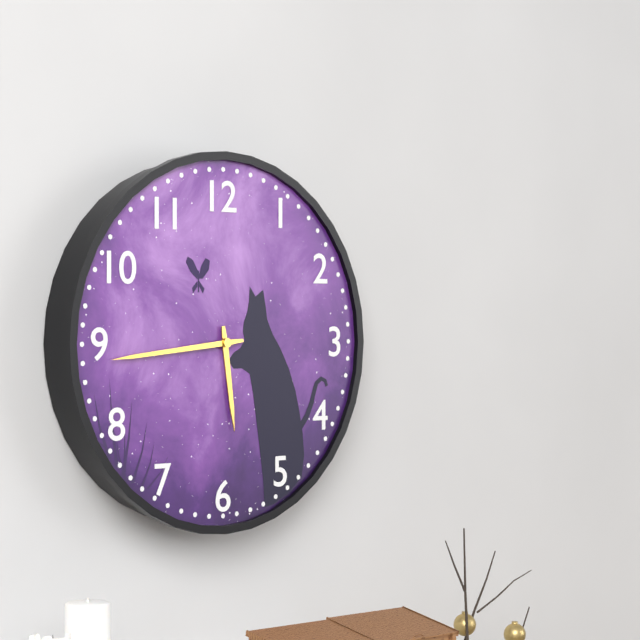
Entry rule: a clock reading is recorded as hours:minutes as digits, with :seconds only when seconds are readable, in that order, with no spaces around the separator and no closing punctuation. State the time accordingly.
5:44
